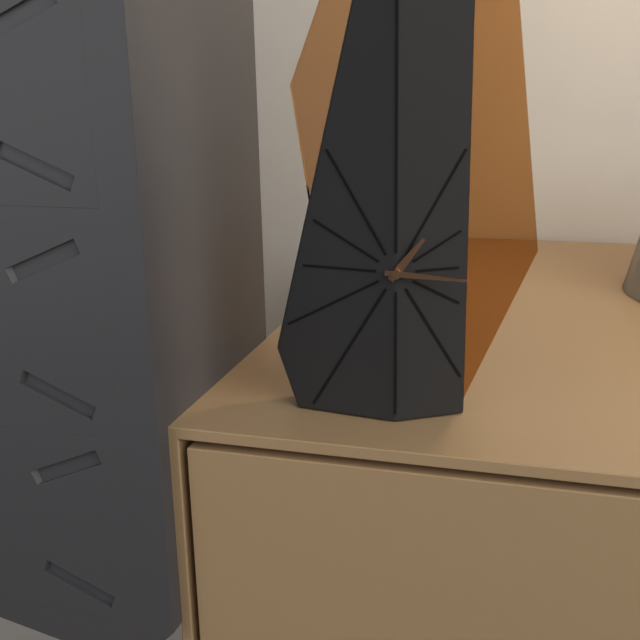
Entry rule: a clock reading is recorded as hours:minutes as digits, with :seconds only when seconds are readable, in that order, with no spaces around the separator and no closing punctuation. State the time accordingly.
1:16
